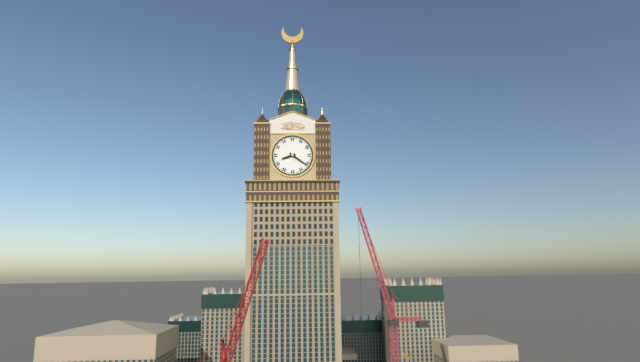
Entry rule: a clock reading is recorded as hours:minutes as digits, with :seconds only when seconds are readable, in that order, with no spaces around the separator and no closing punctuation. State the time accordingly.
8:21
